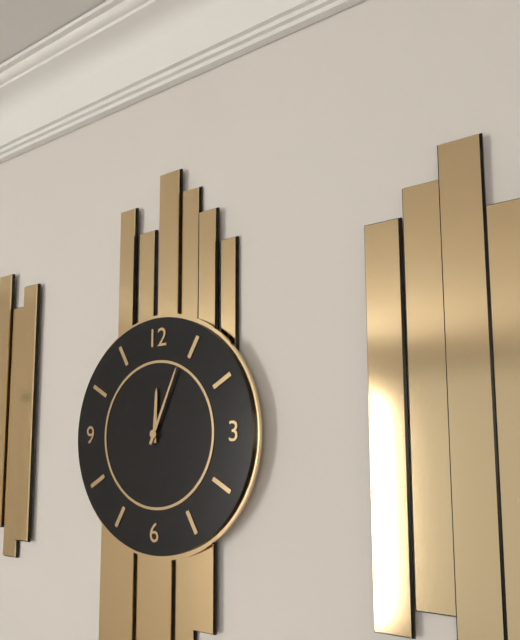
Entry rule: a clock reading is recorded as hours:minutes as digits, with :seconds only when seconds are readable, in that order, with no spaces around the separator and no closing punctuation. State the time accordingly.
12:04
